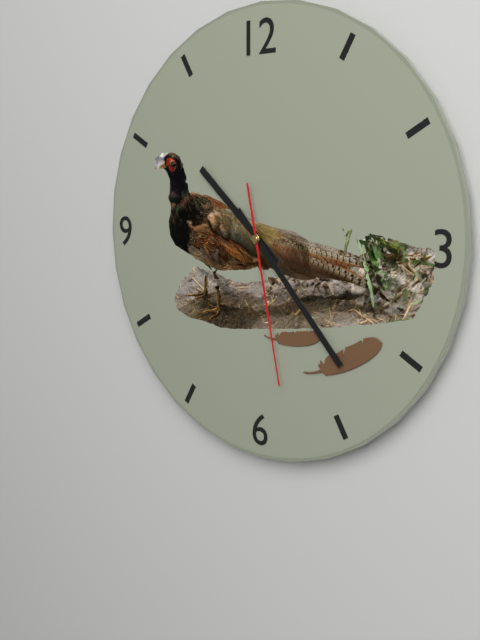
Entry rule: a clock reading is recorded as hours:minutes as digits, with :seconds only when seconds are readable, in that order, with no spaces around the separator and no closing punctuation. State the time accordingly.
10:23:28
